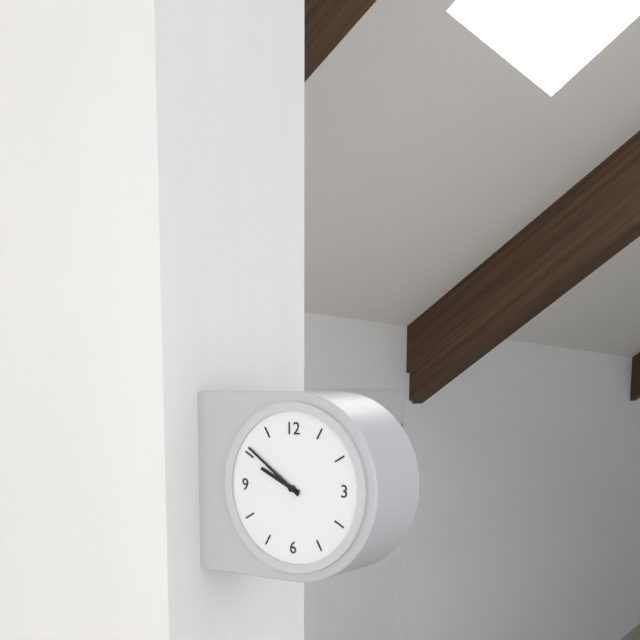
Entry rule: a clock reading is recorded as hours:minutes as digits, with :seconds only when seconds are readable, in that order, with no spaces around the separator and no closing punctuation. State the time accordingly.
9:51
